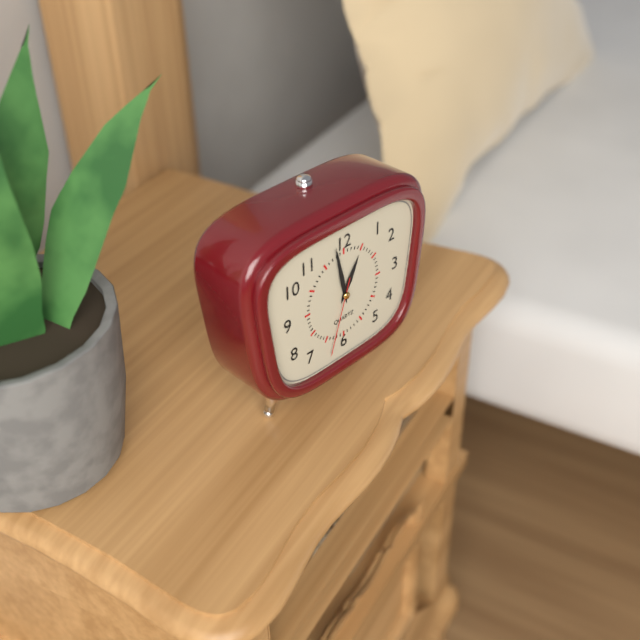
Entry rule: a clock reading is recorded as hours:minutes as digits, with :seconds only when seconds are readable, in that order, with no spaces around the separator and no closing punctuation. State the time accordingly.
12:58:33
